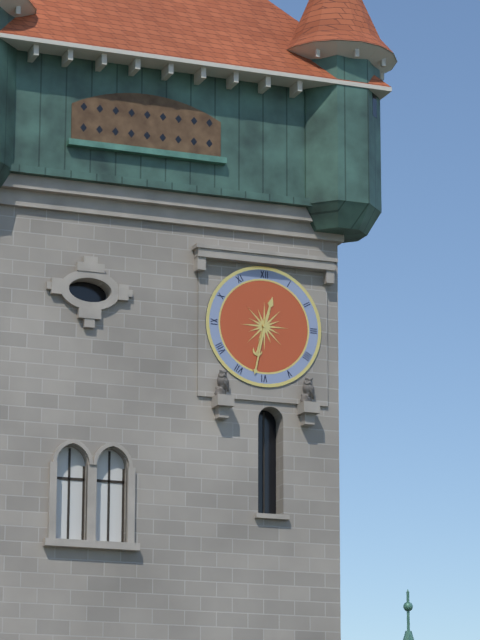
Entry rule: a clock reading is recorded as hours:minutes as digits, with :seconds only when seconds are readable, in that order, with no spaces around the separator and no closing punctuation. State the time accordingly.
12:32
